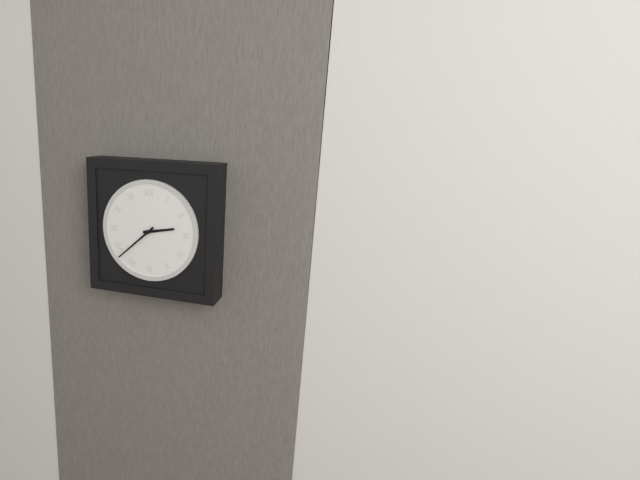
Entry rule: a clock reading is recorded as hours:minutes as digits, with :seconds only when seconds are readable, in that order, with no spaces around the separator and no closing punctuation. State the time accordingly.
2:38
